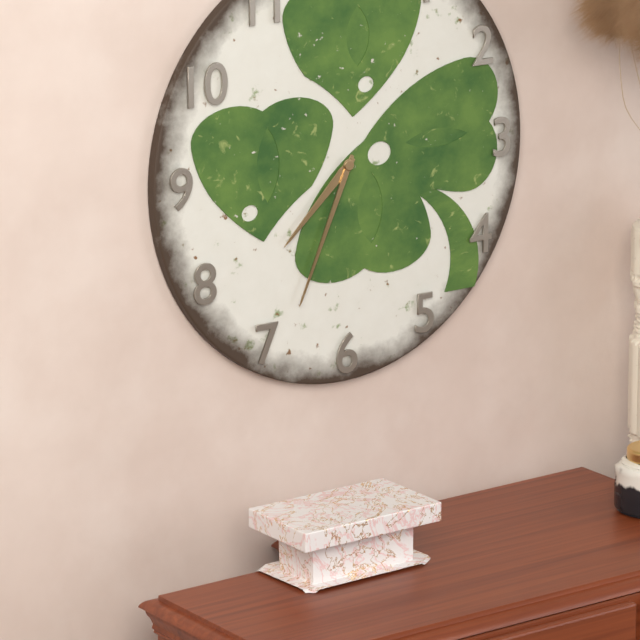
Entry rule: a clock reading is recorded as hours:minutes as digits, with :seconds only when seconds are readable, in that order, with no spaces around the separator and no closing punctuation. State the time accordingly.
7:34
